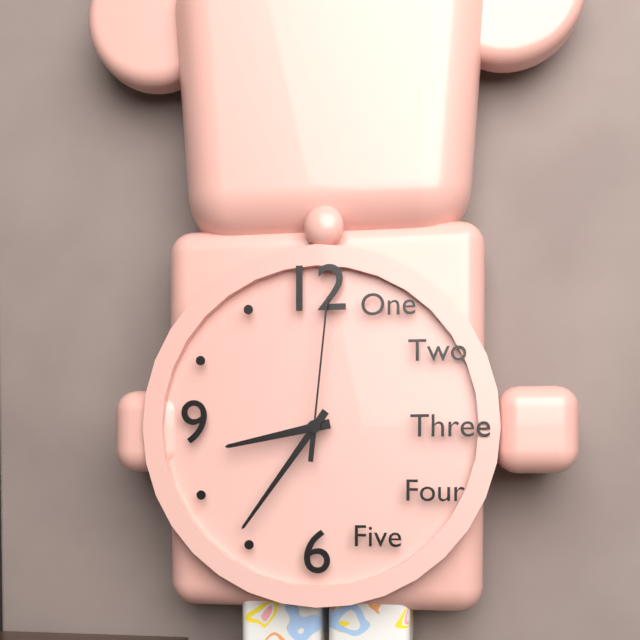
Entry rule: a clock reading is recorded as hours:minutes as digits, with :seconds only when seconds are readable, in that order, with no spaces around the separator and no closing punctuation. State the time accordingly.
8:36:01
